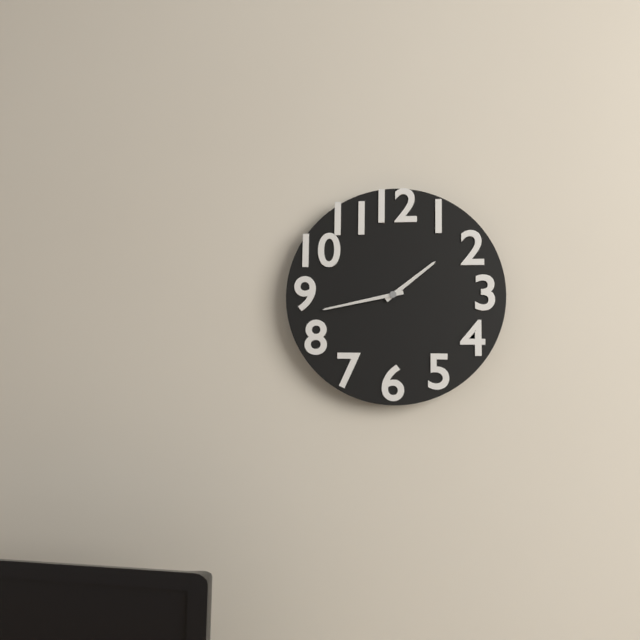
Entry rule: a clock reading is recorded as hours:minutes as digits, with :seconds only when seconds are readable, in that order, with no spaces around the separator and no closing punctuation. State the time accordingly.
1:43
